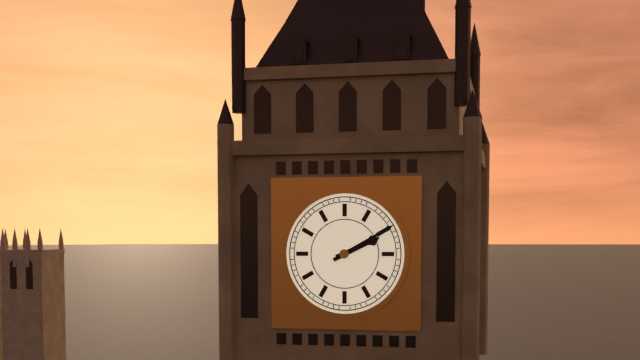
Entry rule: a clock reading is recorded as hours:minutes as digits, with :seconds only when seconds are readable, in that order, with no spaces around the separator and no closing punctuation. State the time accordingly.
2:10
